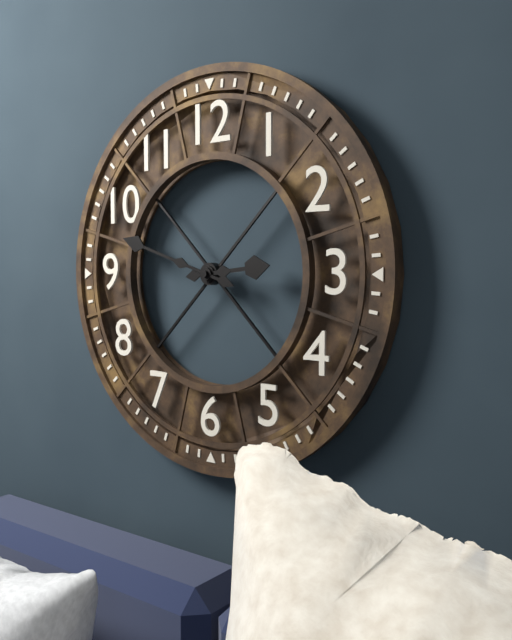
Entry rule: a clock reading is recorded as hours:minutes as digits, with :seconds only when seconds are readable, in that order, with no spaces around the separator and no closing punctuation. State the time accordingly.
2:48
